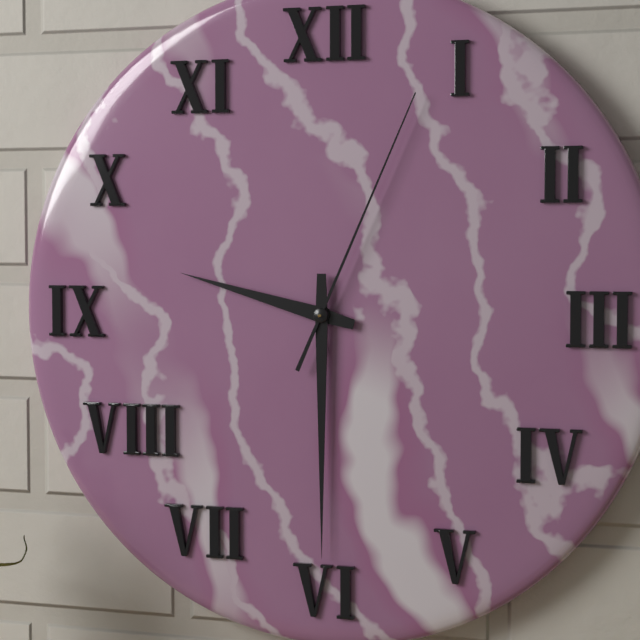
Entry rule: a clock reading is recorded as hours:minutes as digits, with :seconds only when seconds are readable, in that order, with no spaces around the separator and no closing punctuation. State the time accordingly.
9:30:04
